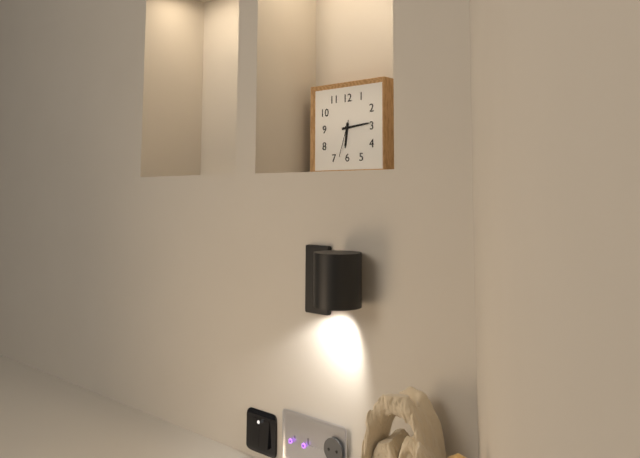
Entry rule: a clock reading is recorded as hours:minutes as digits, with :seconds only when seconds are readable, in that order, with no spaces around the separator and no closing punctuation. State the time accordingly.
6:14
